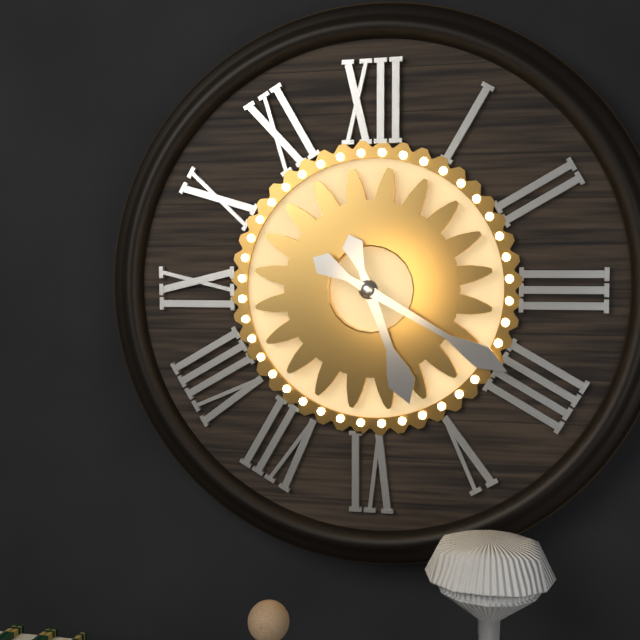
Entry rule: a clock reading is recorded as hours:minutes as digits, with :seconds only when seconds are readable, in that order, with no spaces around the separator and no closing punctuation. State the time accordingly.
5:20
